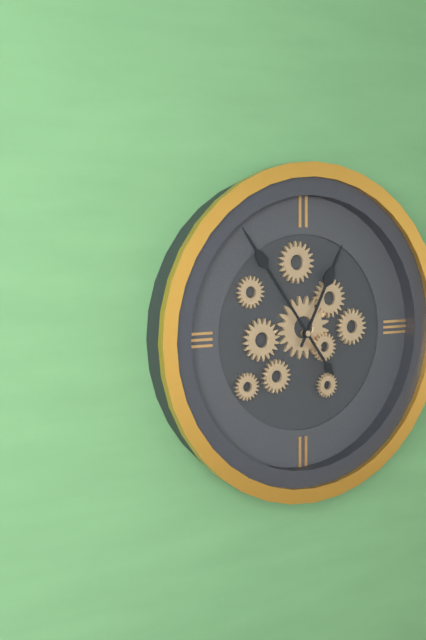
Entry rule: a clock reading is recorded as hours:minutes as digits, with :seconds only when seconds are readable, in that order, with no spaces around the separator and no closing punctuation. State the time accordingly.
12:54
